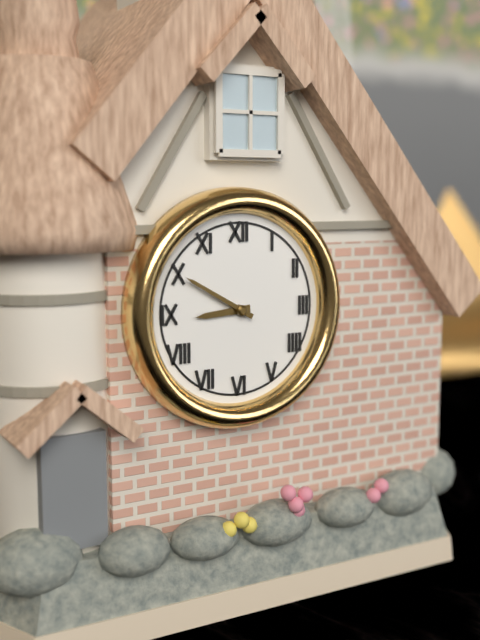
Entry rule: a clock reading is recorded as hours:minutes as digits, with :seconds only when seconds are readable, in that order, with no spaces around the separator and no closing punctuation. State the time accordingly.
8:50
